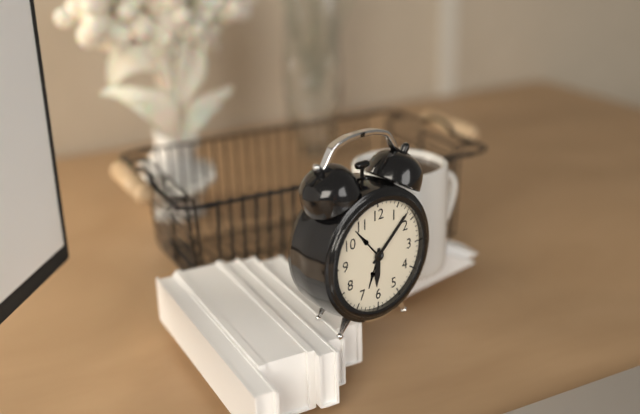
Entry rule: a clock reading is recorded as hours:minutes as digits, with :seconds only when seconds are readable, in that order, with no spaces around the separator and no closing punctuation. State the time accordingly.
6:08
